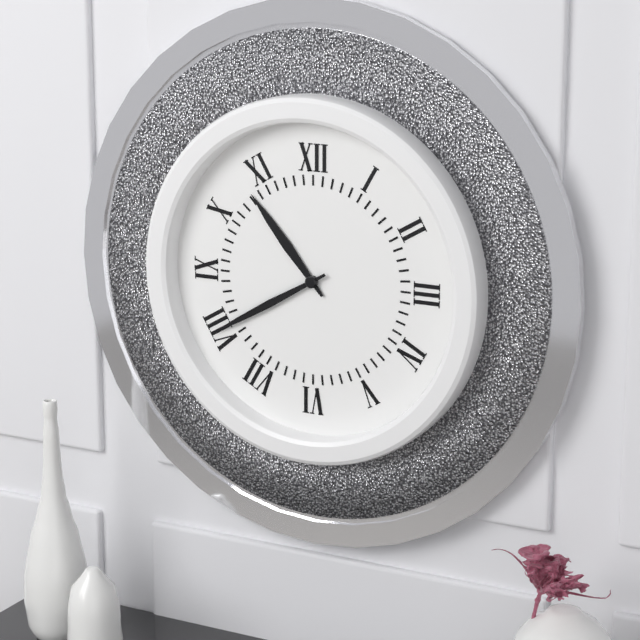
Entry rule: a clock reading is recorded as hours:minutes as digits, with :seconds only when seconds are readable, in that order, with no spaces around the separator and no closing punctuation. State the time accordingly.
10:40
